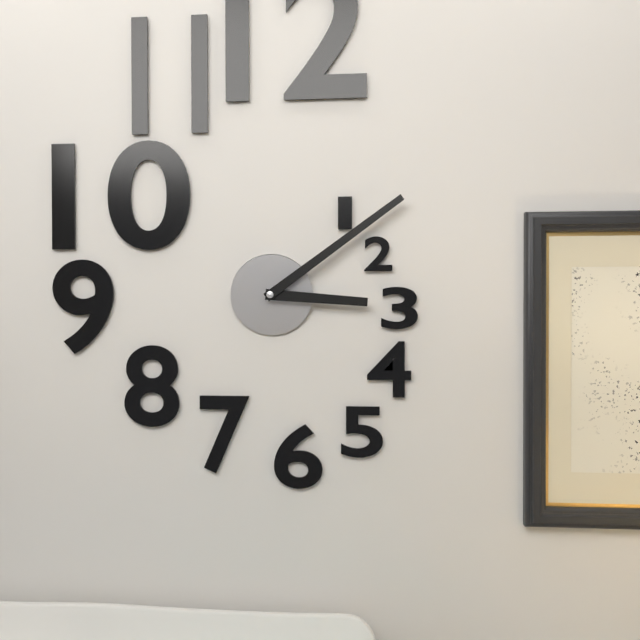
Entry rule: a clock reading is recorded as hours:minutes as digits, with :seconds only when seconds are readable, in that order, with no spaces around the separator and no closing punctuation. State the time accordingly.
3:09
